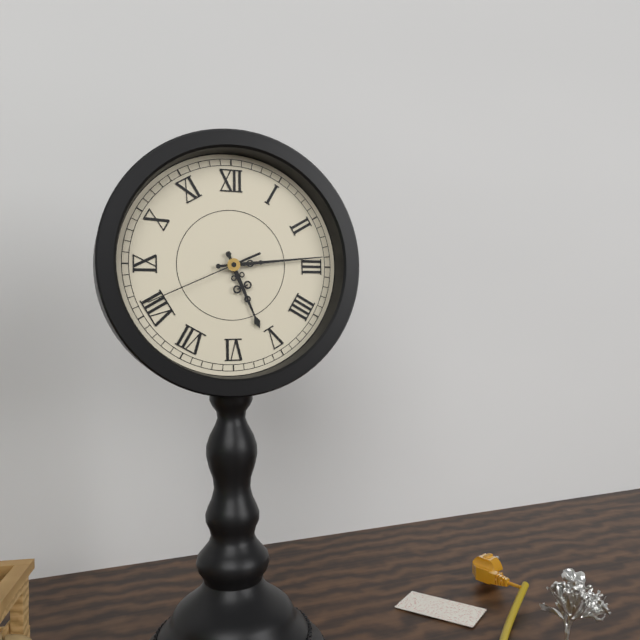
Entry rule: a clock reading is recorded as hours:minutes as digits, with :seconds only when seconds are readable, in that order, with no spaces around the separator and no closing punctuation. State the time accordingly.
5:14:41
